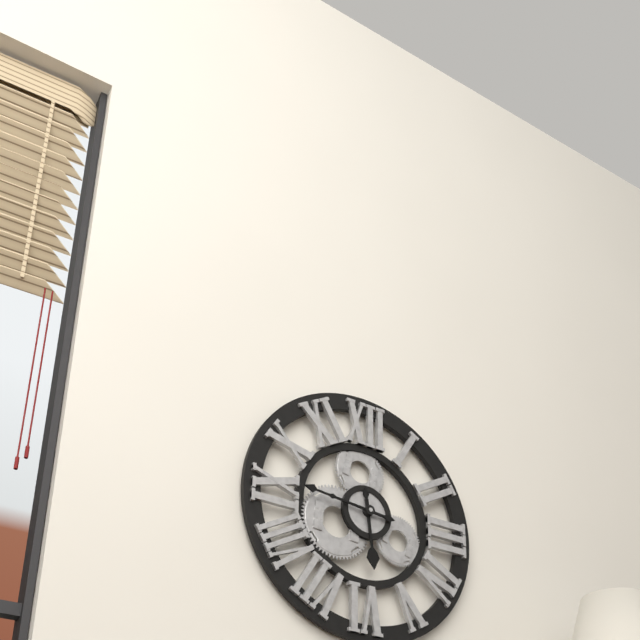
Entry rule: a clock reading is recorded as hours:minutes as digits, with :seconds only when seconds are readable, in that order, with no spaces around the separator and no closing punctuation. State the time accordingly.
5:46
